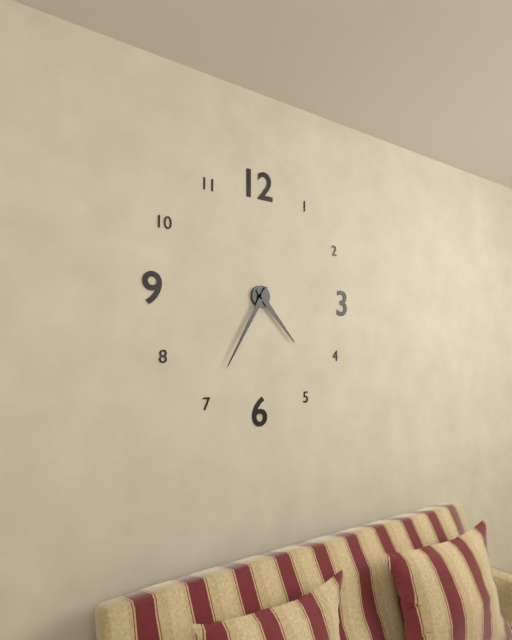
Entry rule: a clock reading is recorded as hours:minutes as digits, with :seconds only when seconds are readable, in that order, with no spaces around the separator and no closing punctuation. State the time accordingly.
4:35
